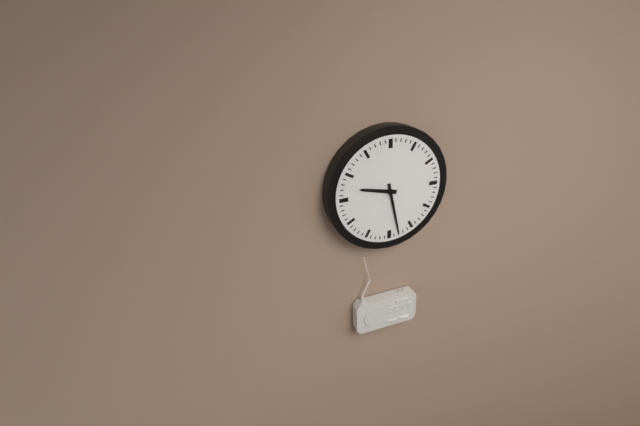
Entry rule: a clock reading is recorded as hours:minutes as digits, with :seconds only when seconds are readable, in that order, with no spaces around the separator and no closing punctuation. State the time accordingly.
9:28
